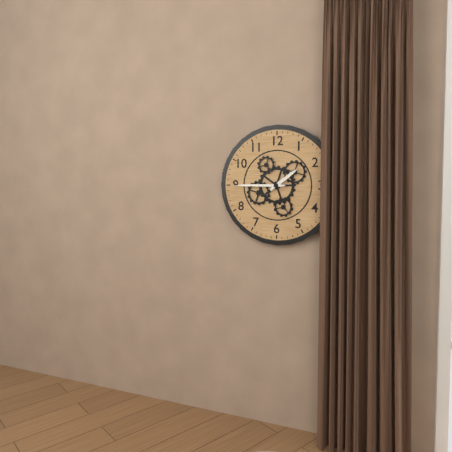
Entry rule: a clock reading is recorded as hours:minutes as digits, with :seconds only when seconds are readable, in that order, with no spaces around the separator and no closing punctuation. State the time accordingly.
1:45
